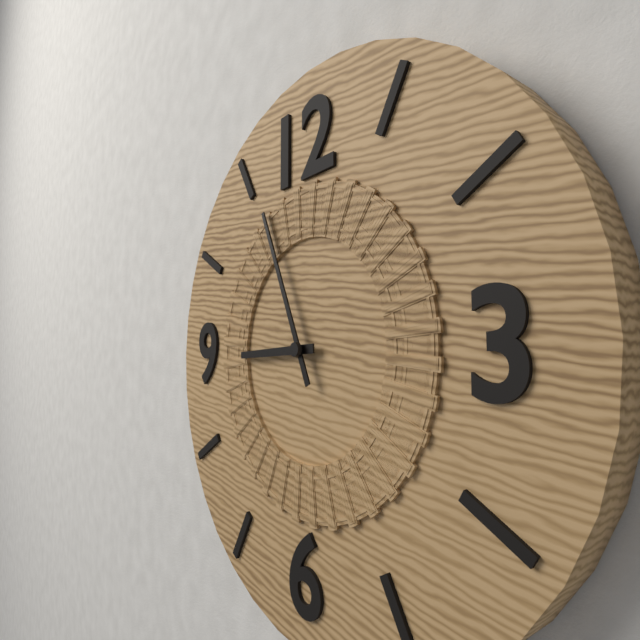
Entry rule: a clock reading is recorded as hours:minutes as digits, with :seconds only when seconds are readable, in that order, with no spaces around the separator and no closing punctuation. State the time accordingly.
8:56
